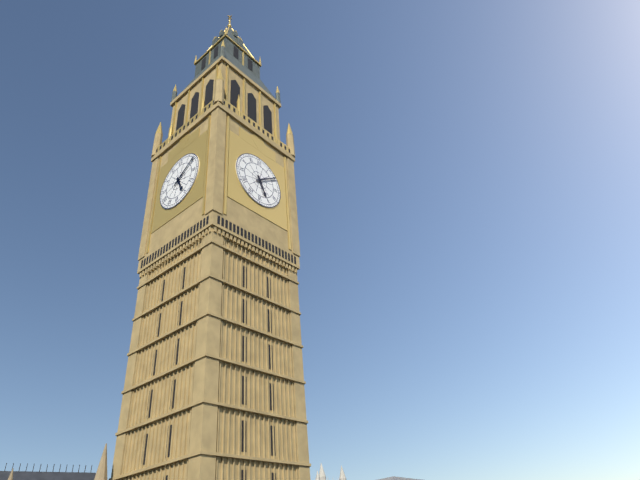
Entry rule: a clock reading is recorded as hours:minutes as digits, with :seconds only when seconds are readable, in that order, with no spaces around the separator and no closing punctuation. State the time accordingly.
5:09
